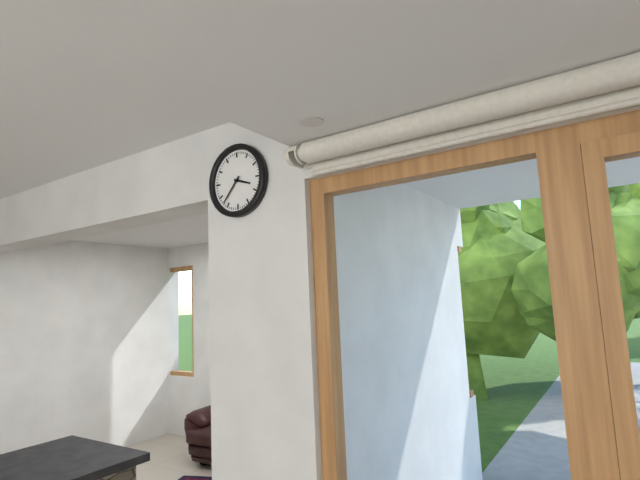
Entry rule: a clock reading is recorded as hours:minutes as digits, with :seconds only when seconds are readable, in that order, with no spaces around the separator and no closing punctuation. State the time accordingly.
3:37
